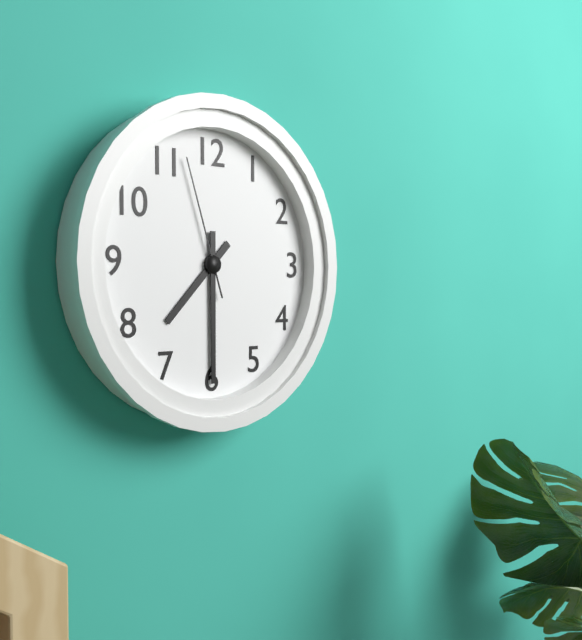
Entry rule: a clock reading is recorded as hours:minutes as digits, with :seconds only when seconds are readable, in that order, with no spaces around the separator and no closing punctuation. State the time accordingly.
7:30:57
